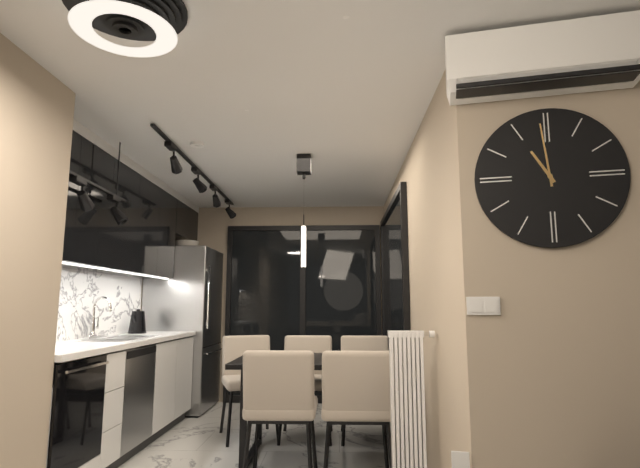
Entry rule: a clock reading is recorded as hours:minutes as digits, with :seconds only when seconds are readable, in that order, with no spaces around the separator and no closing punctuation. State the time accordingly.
10:59
